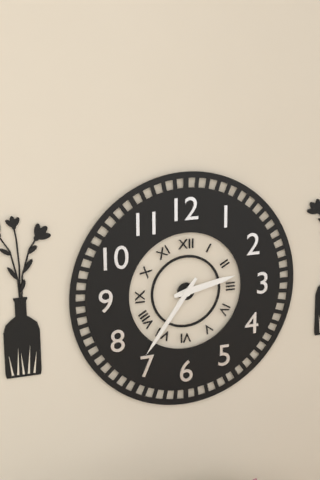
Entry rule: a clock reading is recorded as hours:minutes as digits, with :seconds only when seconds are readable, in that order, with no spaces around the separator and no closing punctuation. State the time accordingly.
2:36
